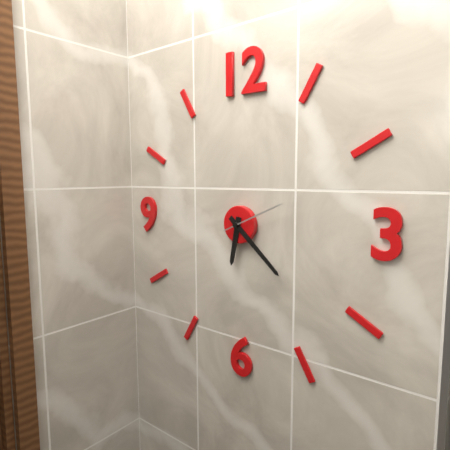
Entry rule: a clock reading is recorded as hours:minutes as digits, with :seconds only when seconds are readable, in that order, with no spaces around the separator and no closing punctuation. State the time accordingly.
6:22:11
